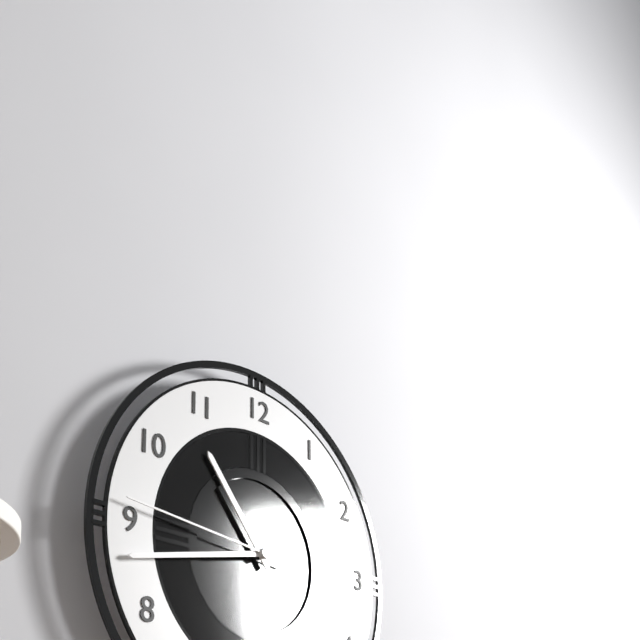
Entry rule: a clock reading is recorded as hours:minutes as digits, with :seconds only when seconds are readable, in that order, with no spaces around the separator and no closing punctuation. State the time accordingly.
10:43:46
